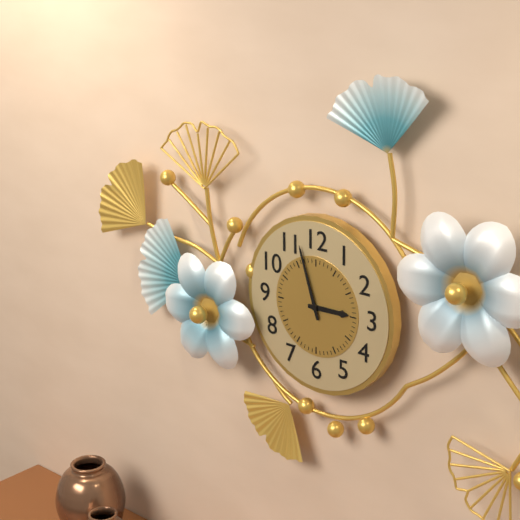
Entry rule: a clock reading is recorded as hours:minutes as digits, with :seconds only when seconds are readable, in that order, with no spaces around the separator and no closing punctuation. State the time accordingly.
2:57
